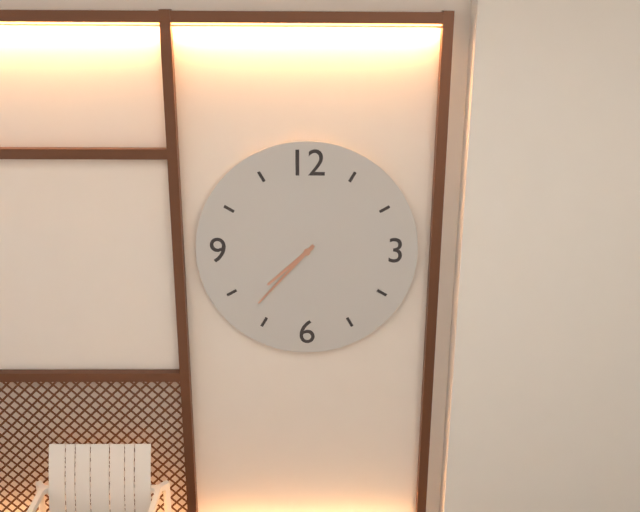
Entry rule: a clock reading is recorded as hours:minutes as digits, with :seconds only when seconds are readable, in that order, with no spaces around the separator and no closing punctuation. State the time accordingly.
7:37
